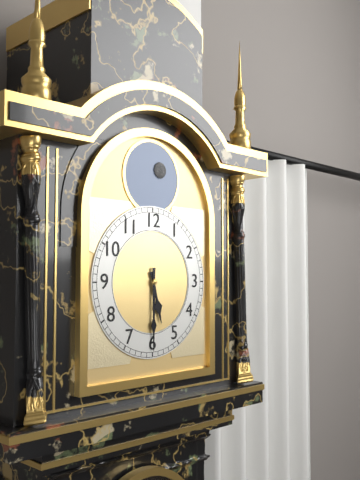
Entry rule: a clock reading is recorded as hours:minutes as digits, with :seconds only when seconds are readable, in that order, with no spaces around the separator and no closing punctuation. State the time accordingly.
5:30
